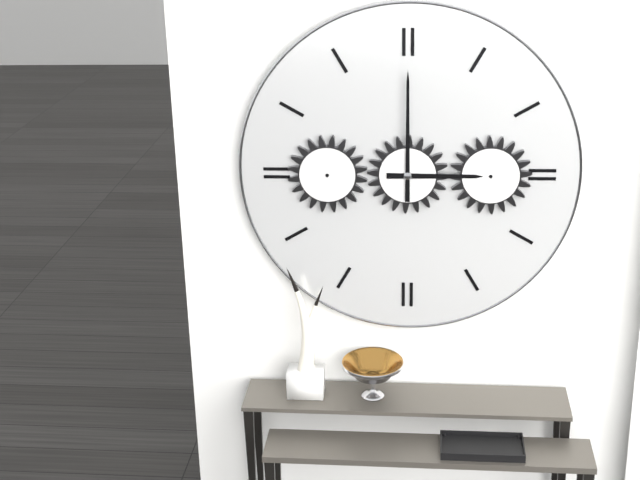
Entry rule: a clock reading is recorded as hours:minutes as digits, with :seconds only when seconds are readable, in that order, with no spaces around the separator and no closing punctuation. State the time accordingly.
3:00
